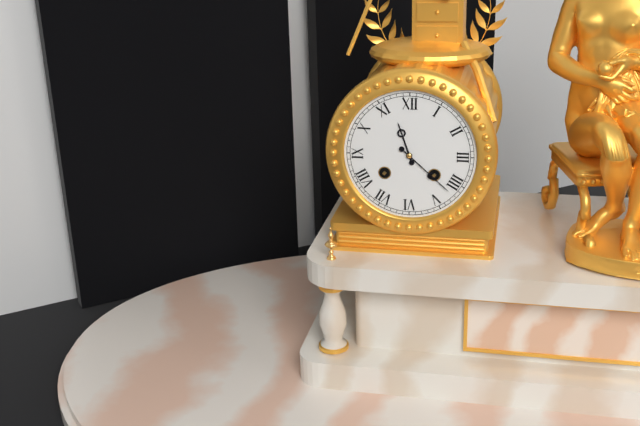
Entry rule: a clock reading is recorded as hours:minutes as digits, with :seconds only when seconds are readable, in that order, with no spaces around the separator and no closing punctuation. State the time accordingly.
11:22
